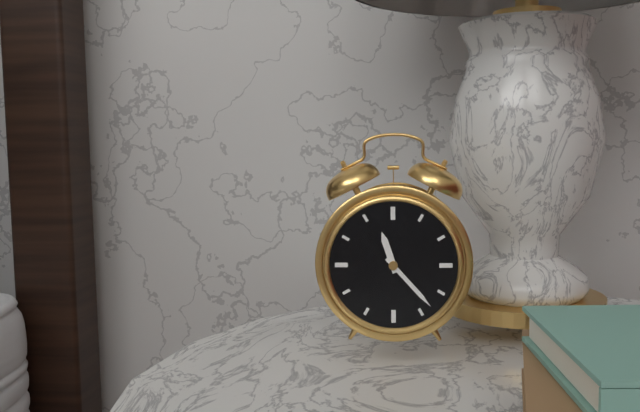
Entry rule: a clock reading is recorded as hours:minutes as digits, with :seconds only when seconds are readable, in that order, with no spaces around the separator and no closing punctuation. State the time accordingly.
11:23
